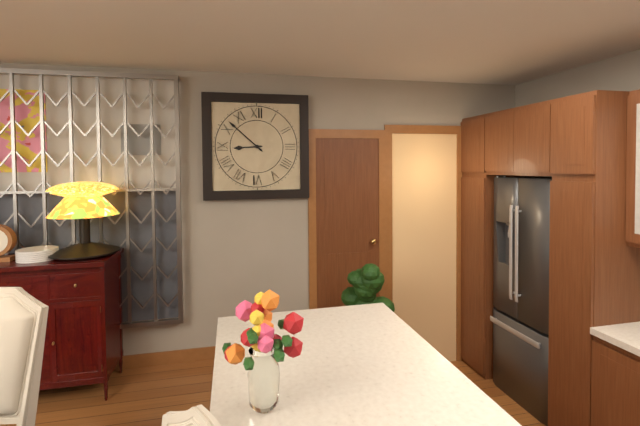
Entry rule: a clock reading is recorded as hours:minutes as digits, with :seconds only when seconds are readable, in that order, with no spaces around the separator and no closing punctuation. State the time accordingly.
8:52
